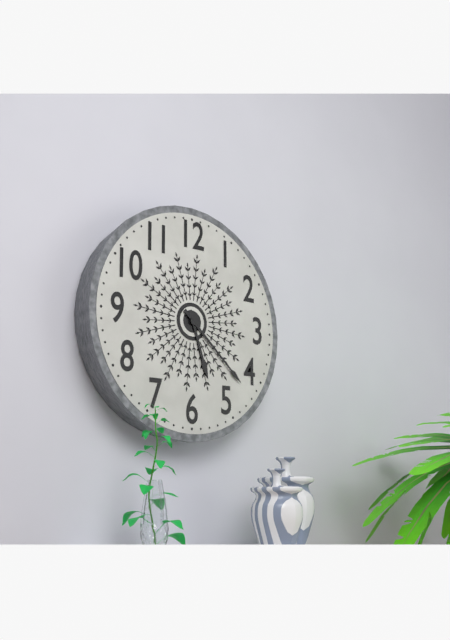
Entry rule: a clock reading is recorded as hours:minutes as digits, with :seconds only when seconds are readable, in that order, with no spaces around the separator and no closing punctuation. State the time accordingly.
5:22
